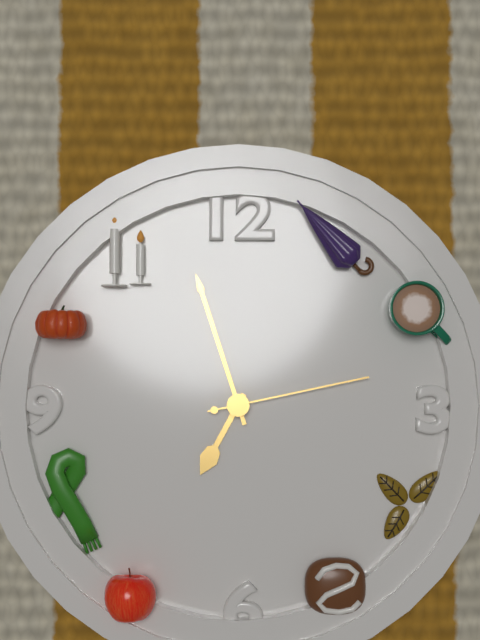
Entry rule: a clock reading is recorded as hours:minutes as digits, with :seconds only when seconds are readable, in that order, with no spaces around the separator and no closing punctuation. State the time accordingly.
6:57:13
